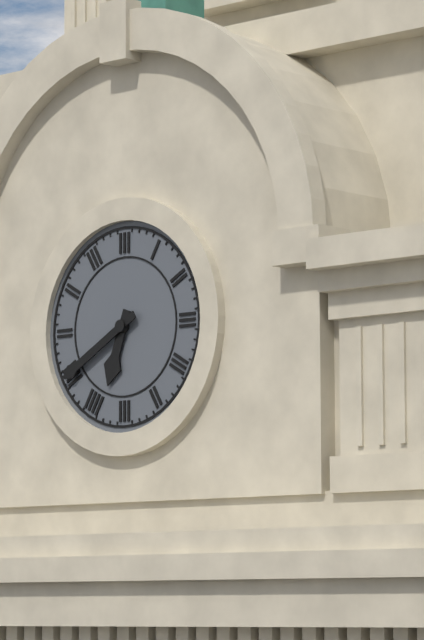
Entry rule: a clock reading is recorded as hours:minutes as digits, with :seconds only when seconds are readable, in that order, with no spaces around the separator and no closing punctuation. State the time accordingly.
6:40
